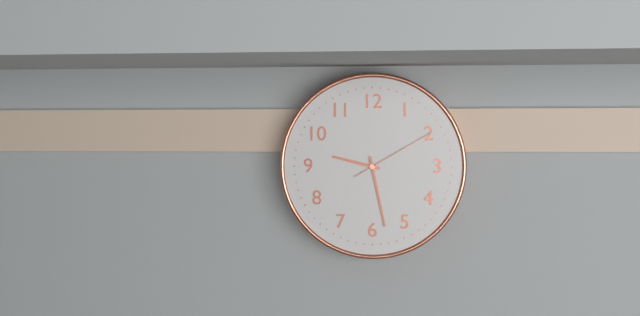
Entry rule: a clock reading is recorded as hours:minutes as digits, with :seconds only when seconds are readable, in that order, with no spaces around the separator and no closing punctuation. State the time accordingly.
9:28:10
